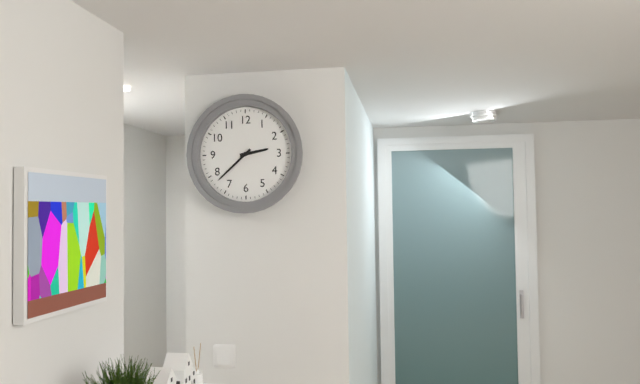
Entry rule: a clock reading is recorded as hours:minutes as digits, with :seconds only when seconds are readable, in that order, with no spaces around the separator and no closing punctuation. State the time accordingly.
2:38
